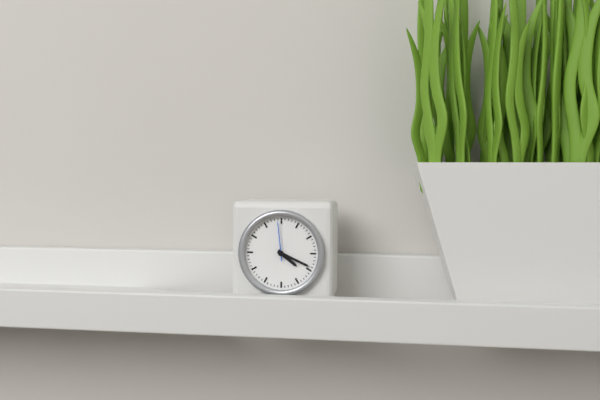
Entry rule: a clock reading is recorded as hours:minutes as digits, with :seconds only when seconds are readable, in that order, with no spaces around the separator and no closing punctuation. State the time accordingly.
4:19
